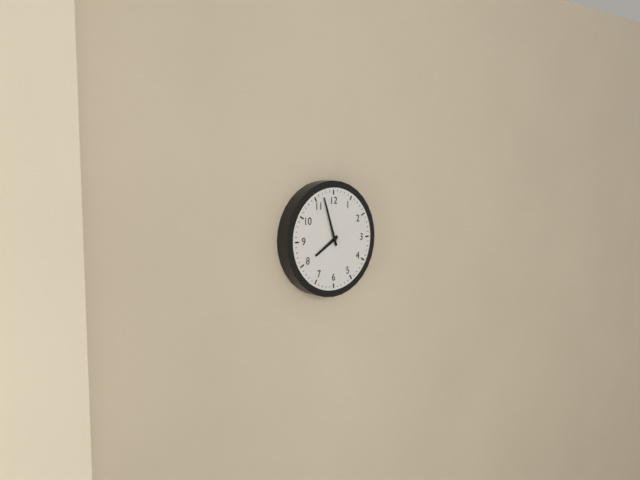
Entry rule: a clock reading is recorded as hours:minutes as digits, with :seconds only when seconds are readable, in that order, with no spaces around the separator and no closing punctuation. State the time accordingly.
7:57
